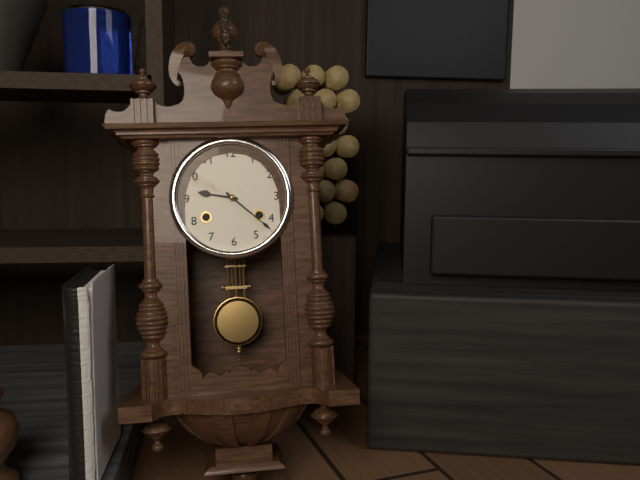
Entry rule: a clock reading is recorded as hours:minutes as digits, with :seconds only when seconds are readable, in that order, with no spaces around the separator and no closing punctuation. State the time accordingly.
9:22
